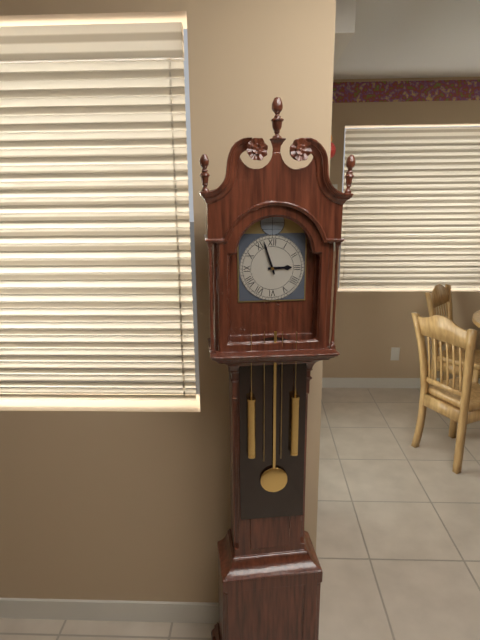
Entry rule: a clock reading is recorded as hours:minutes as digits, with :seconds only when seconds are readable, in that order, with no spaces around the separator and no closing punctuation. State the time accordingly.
2:57
